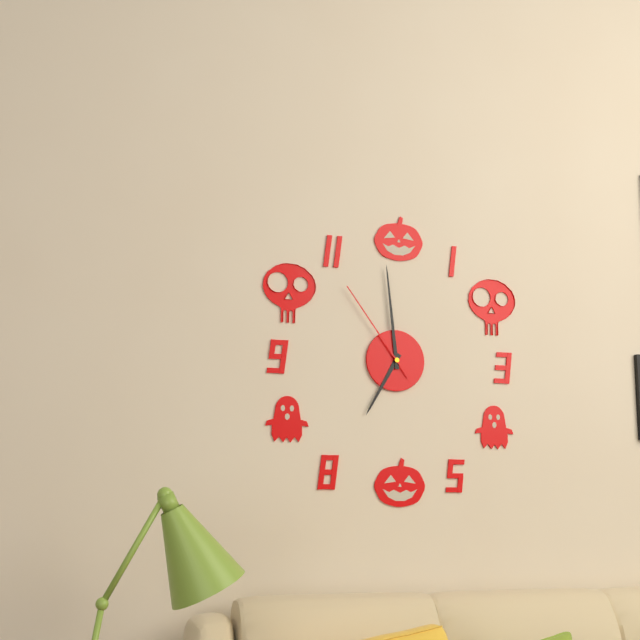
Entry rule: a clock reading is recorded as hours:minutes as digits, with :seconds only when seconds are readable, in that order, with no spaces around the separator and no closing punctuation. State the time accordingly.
6:59:54
